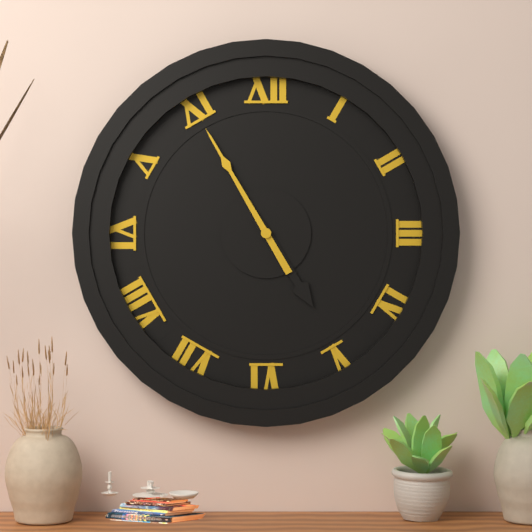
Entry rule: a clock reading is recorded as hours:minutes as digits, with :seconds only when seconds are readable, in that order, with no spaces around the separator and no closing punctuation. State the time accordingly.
4:55
